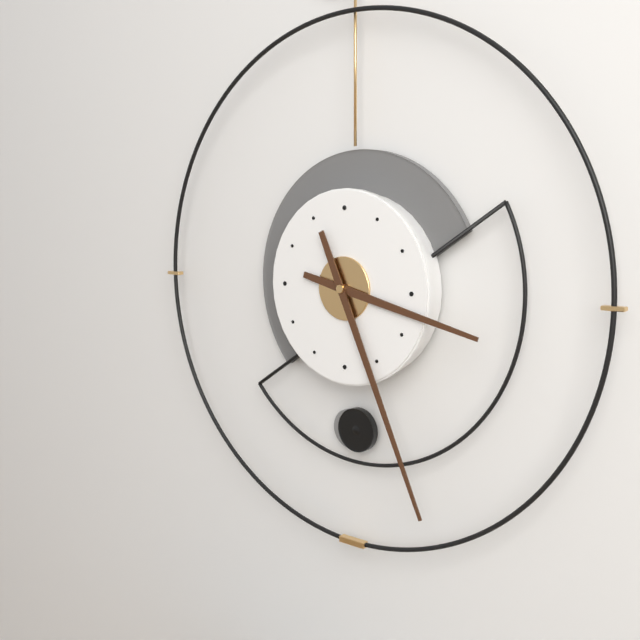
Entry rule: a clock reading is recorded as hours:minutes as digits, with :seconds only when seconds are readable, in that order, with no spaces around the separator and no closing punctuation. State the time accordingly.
3:26
